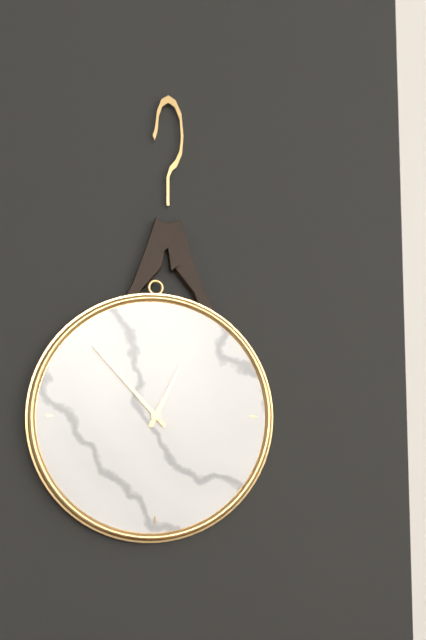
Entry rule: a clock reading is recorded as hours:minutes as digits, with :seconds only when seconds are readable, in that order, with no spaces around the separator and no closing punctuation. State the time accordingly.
12:53
